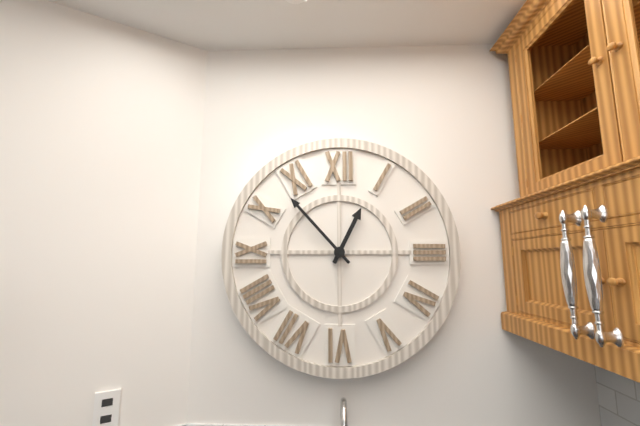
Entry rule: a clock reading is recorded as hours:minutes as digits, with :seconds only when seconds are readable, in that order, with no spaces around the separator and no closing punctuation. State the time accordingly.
12:53
